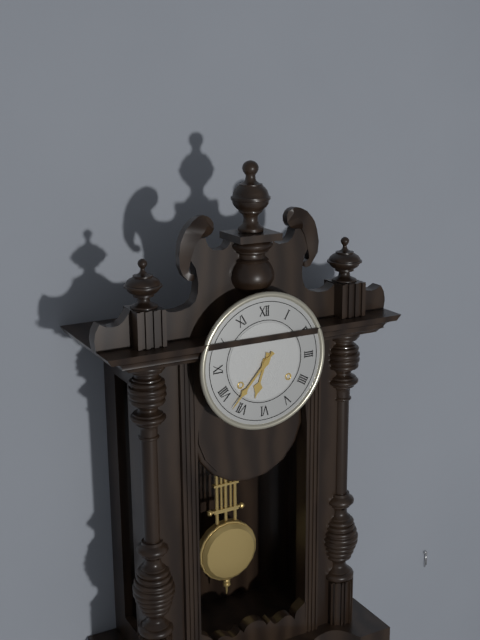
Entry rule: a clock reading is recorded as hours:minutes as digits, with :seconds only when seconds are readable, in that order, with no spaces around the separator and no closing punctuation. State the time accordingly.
6:37
